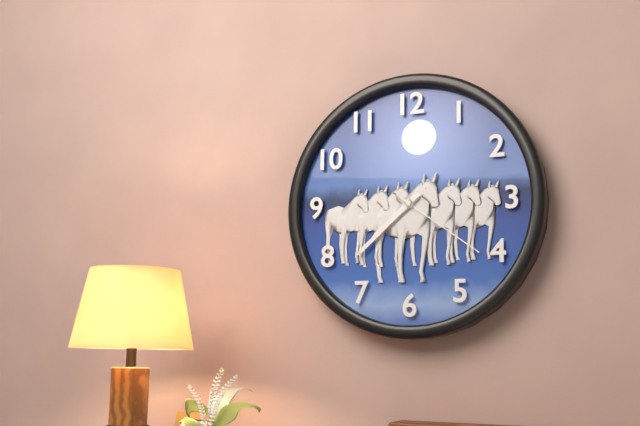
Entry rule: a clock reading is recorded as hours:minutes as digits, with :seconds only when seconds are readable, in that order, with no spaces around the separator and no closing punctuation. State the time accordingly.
7:38:21
